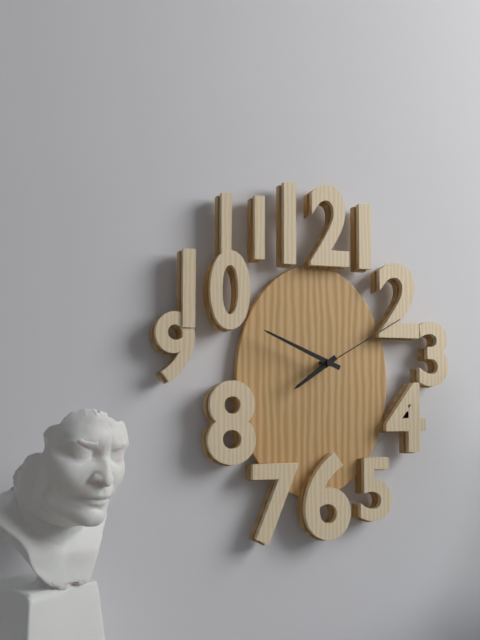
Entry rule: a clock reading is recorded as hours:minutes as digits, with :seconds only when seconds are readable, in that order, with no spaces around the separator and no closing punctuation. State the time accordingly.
7:49:10
